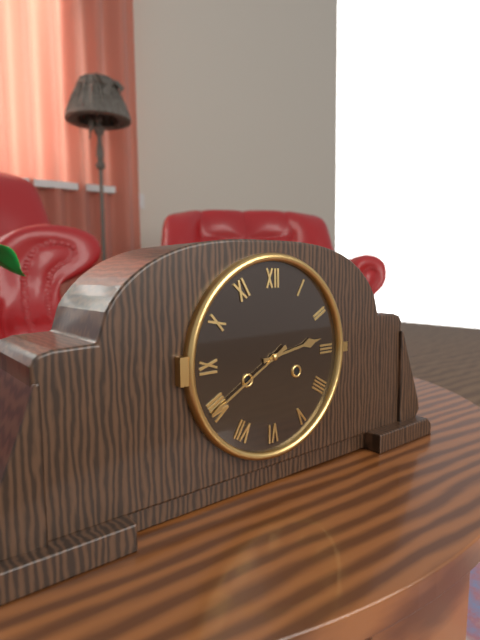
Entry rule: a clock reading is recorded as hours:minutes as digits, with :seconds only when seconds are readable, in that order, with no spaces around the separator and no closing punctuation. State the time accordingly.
2:40
